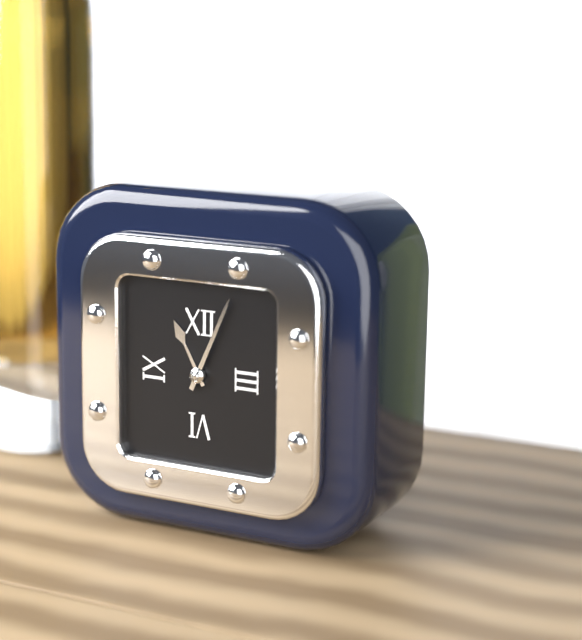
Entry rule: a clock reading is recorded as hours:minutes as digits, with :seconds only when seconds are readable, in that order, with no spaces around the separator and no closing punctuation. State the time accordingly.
11:04
